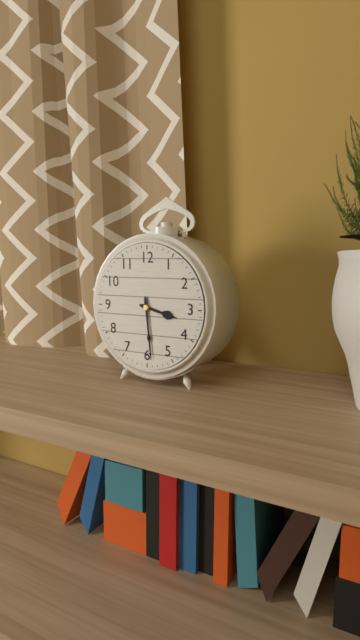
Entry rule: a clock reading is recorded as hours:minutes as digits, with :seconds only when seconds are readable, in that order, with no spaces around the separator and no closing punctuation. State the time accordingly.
3:29
